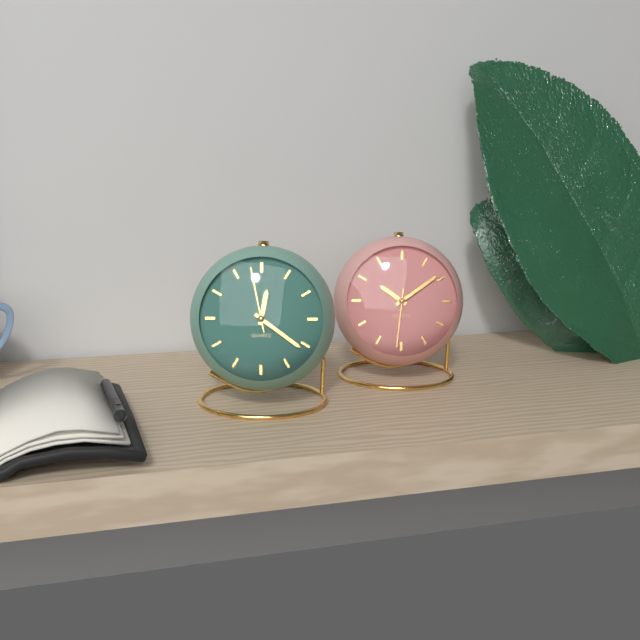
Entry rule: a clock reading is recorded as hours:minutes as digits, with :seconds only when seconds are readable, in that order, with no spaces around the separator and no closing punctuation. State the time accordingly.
12:21:58
